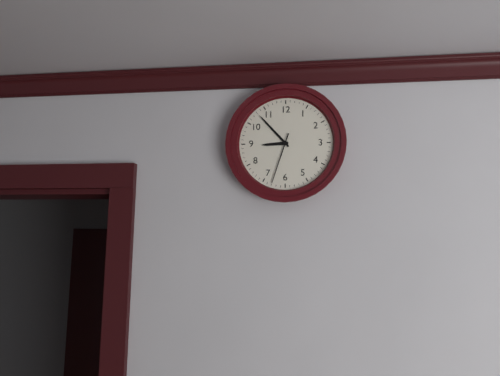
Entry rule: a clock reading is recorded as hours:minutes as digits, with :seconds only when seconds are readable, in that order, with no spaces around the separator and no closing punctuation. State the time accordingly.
8:53:33
